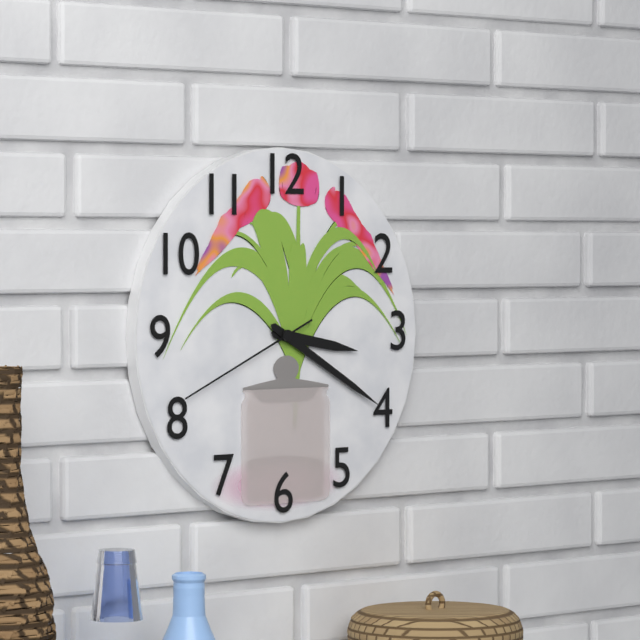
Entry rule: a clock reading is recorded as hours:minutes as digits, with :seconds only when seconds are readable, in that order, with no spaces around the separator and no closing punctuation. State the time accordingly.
3:20:41
